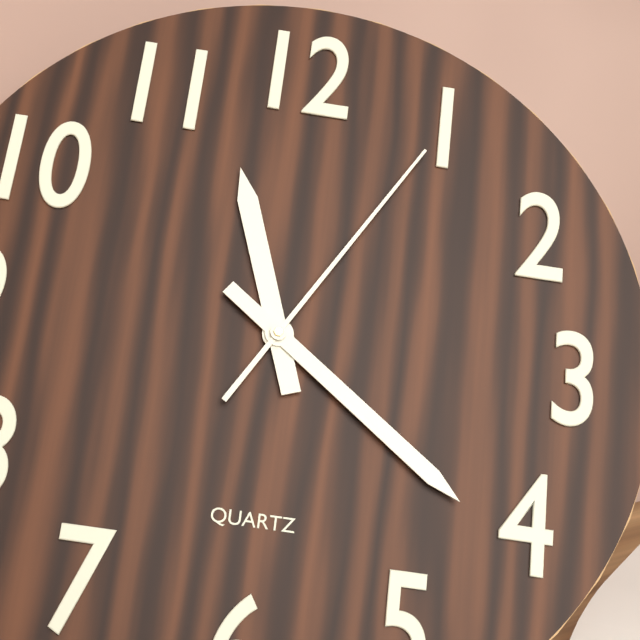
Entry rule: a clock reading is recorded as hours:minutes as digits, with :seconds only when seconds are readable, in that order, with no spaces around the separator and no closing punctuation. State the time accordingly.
11:21:05
